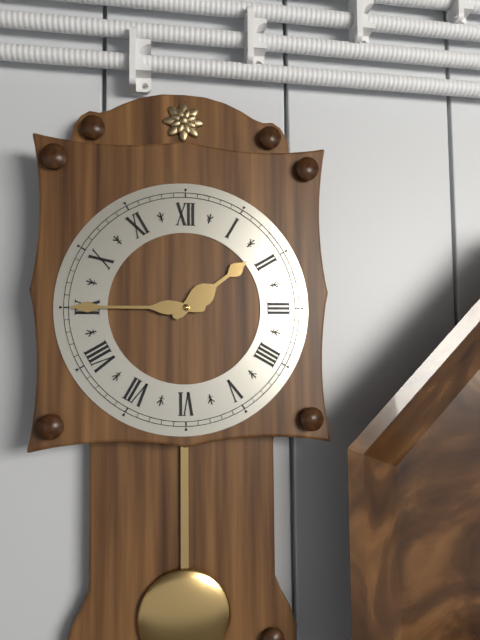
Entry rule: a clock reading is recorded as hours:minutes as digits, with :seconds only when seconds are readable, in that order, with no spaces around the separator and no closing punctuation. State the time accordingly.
1:45
